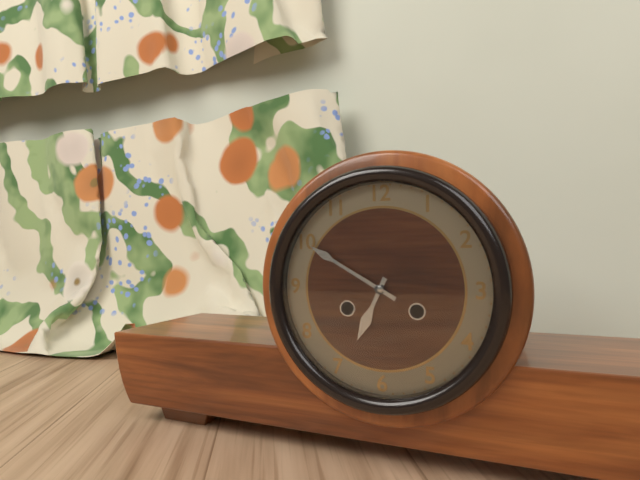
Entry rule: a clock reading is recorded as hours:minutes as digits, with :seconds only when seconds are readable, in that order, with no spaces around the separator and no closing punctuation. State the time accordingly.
6:50
